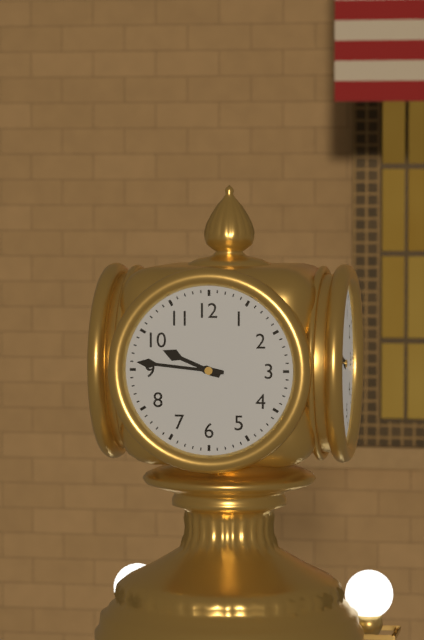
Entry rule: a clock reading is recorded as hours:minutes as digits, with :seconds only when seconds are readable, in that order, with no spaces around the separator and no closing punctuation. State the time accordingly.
9:46
